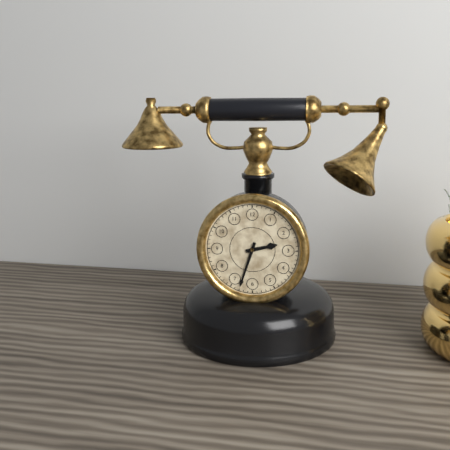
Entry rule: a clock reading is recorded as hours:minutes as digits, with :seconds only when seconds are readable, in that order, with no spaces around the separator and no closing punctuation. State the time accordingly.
2:33
